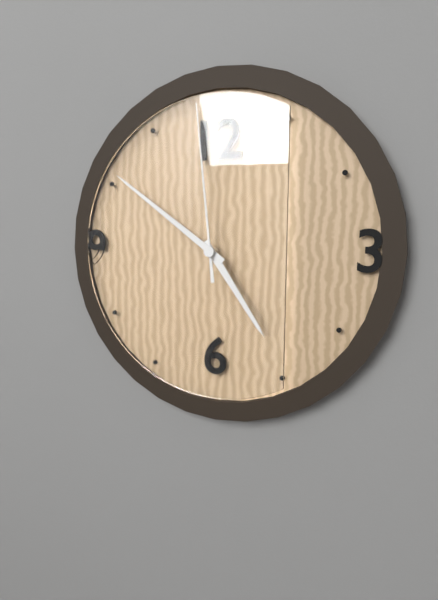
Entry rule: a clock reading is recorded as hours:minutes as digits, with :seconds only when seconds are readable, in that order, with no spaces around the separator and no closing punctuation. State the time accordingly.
4:51:59
